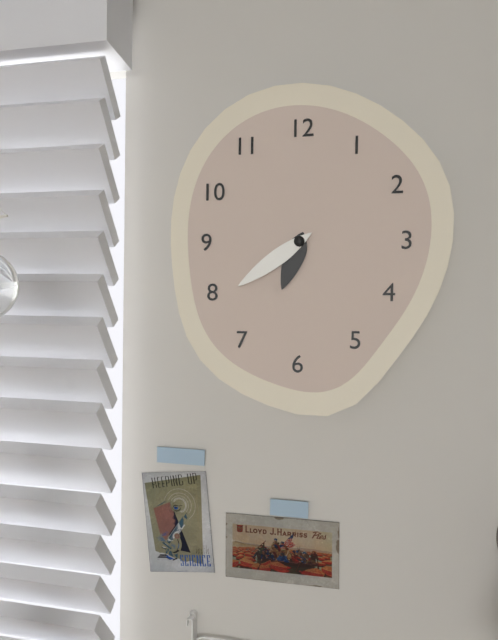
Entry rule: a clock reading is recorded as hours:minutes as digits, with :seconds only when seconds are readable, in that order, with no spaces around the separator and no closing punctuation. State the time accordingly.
6:39
